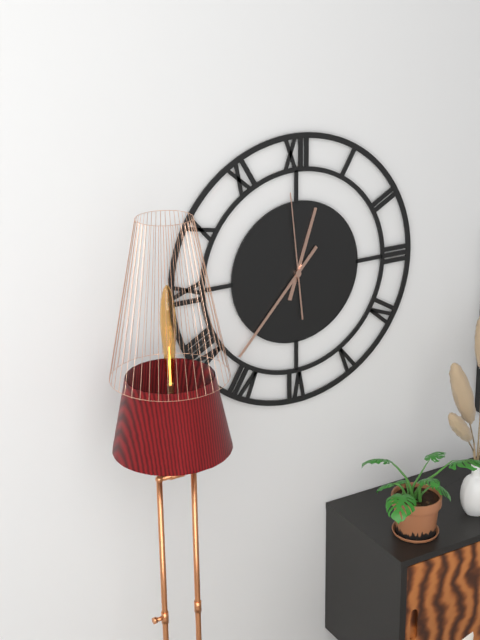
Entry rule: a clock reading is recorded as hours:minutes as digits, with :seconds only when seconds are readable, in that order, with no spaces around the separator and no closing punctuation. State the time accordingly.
12:37:59
